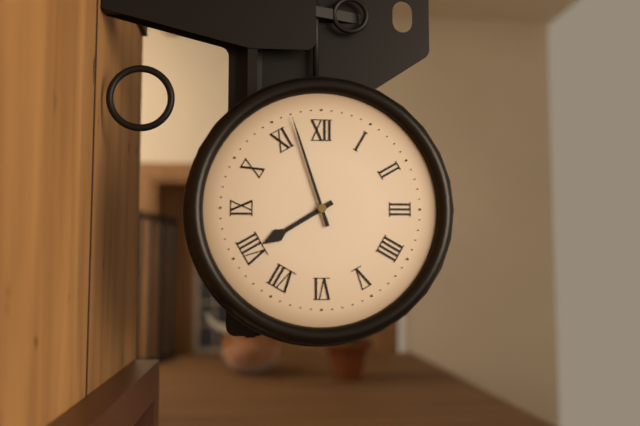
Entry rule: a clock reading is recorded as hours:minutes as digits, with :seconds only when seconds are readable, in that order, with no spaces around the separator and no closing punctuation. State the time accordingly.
7:57
